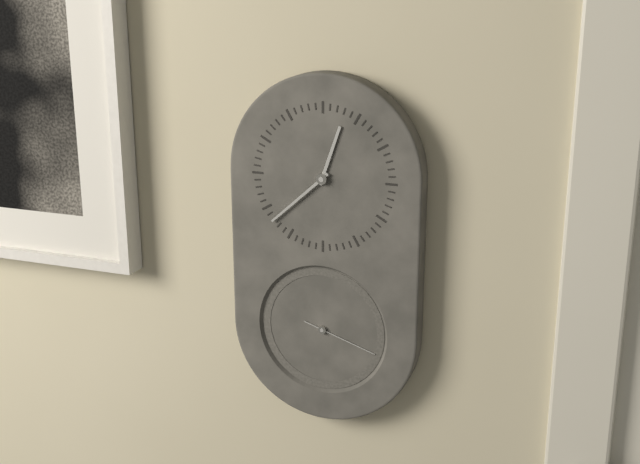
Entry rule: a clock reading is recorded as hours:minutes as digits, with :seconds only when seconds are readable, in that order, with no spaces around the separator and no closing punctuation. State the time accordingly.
12:38:18
